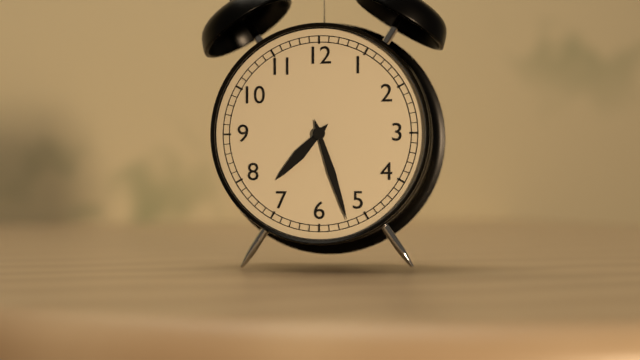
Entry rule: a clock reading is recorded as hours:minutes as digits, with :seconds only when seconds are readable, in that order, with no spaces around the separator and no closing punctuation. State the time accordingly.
7:27
